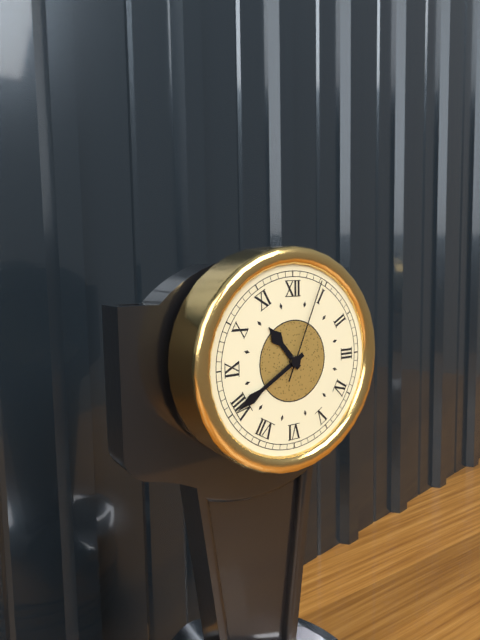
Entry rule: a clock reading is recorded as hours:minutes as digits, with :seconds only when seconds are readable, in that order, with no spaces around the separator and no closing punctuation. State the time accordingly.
10:40:04
